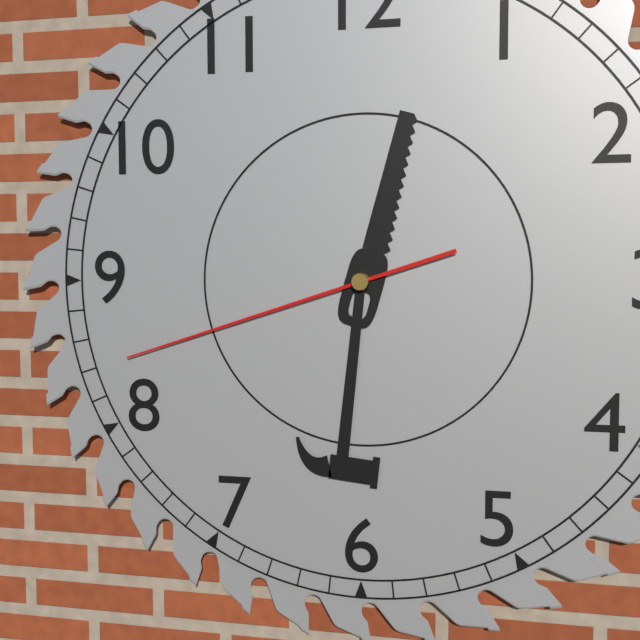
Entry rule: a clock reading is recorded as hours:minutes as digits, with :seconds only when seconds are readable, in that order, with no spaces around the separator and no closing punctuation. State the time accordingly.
12:31:42
